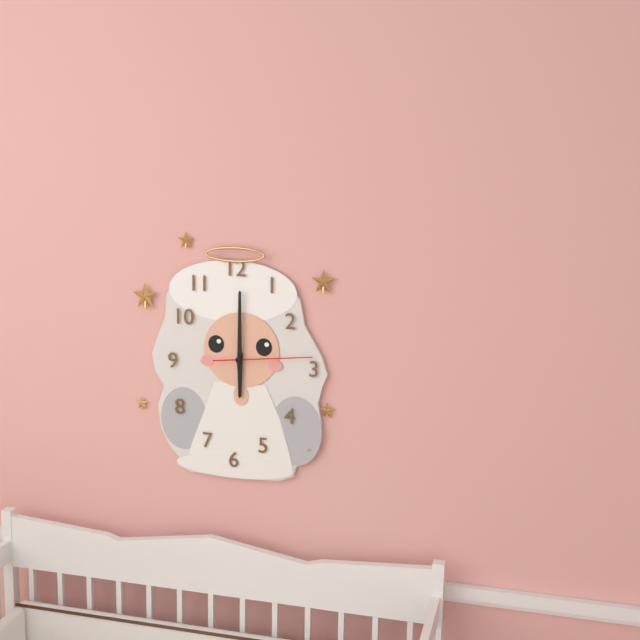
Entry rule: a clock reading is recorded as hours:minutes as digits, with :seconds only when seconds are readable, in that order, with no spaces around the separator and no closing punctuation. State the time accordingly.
6:00:14
